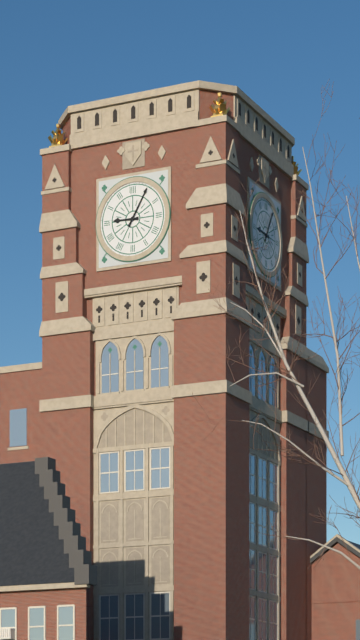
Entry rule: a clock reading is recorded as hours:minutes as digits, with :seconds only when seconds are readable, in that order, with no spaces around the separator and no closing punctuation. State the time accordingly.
9:05
